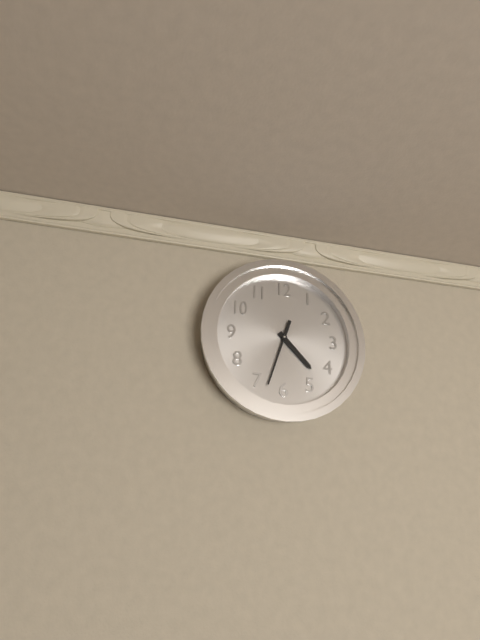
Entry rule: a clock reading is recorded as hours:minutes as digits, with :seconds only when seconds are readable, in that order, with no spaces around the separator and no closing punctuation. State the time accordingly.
4:33
